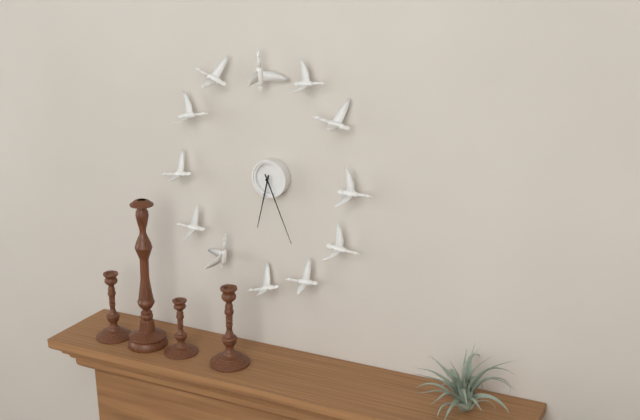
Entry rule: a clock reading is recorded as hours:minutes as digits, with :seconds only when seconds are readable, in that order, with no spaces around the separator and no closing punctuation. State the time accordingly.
6:26
